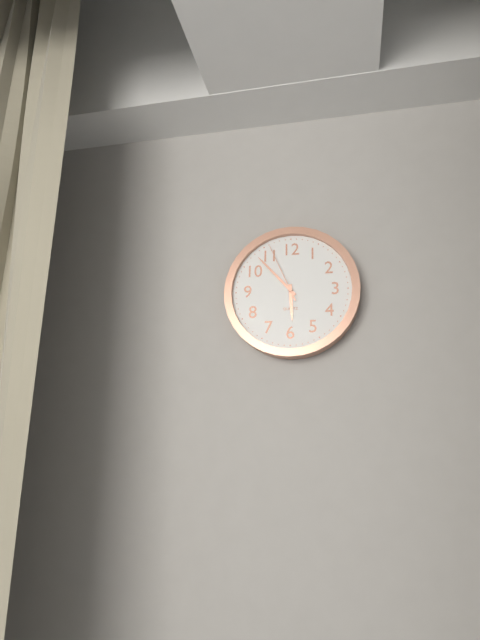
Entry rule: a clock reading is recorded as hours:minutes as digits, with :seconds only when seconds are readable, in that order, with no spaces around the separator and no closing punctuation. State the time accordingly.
5:53:56
